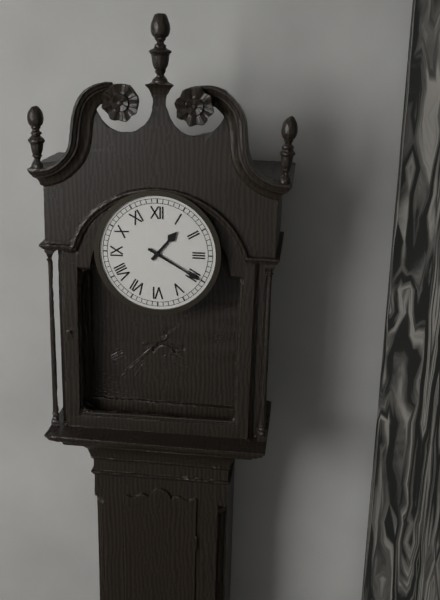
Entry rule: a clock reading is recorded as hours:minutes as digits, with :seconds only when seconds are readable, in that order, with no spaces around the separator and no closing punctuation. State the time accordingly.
1:20
